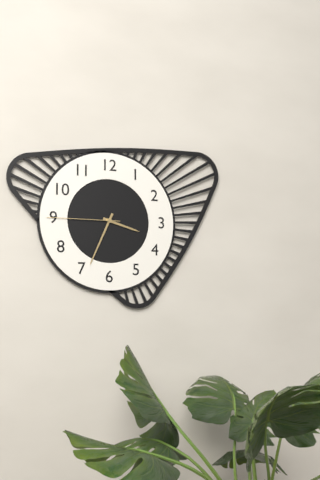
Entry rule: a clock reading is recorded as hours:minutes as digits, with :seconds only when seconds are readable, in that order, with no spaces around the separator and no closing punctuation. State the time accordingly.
3:34:45
